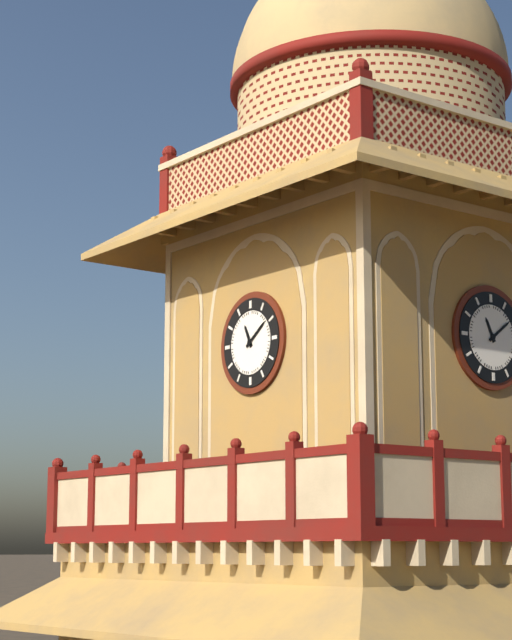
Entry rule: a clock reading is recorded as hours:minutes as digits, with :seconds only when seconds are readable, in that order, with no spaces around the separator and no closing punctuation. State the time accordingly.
11:09
